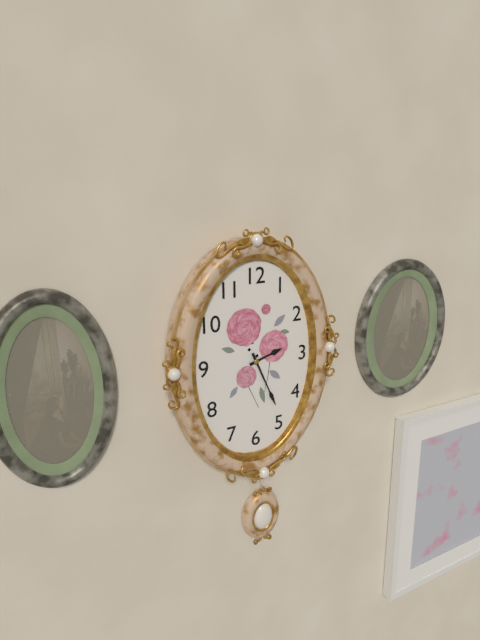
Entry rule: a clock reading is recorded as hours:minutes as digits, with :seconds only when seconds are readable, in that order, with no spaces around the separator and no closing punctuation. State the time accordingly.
2:26
